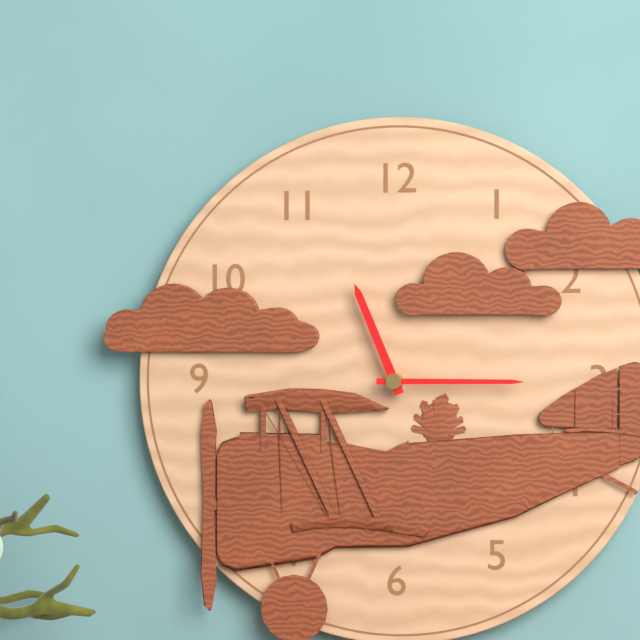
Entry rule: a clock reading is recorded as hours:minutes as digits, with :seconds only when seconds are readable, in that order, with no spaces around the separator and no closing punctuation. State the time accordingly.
11:15
